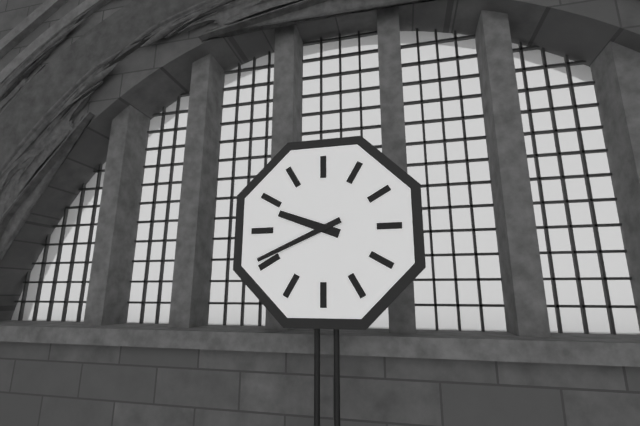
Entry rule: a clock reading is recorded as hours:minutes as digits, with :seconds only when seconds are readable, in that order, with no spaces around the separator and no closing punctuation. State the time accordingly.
9:41
